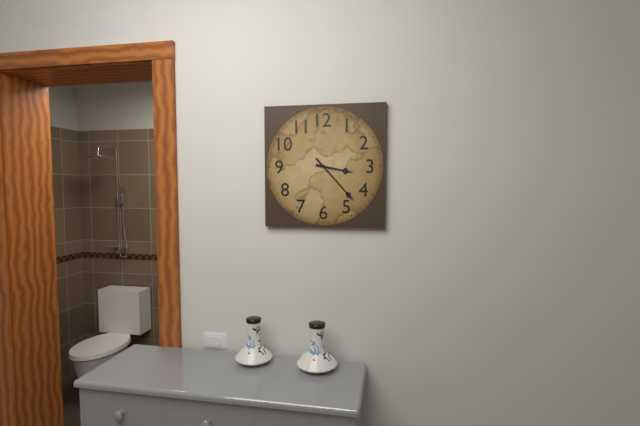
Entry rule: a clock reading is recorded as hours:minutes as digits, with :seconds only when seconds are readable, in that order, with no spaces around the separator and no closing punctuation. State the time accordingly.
3:23
